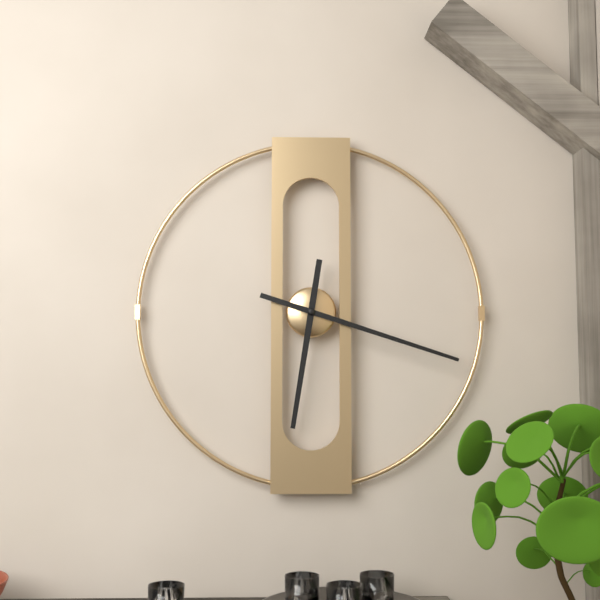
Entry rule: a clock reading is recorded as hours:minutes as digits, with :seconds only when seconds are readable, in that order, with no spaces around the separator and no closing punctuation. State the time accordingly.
6:18
